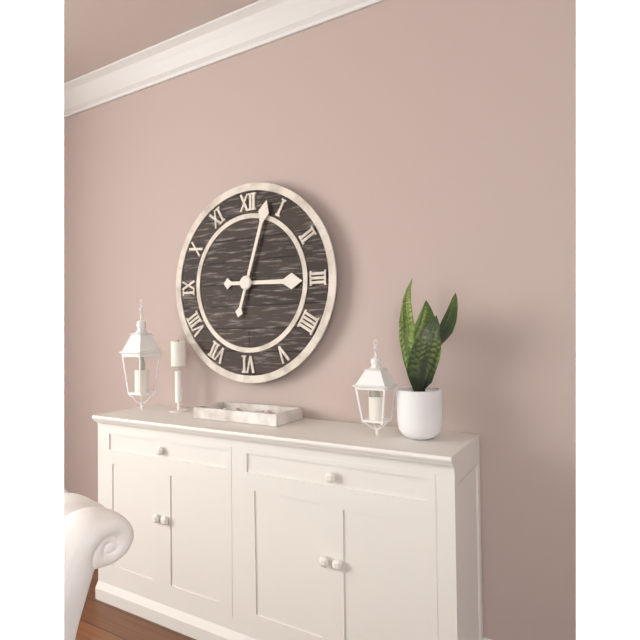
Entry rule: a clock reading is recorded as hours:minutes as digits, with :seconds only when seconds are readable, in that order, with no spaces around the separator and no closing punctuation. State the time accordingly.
3:03
